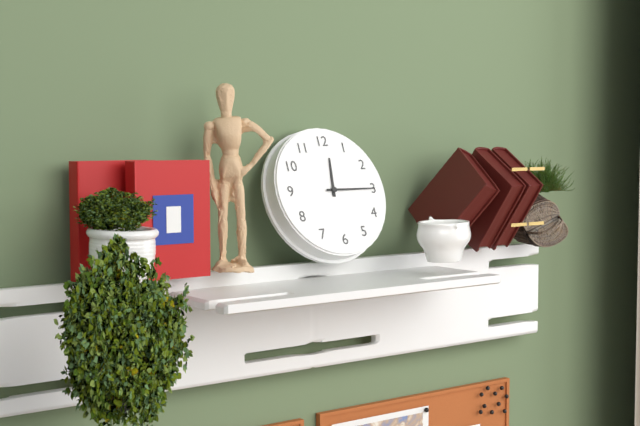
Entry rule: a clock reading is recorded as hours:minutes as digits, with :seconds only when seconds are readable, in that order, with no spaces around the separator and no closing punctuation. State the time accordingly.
12:15
